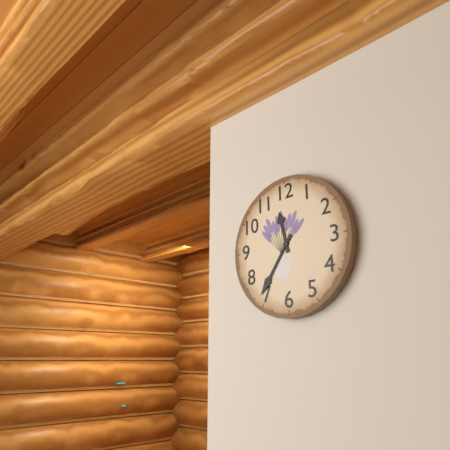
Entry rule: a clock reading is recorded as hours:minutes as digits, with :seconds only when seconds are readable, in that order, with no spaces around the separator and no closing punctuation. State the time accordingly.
11:36
